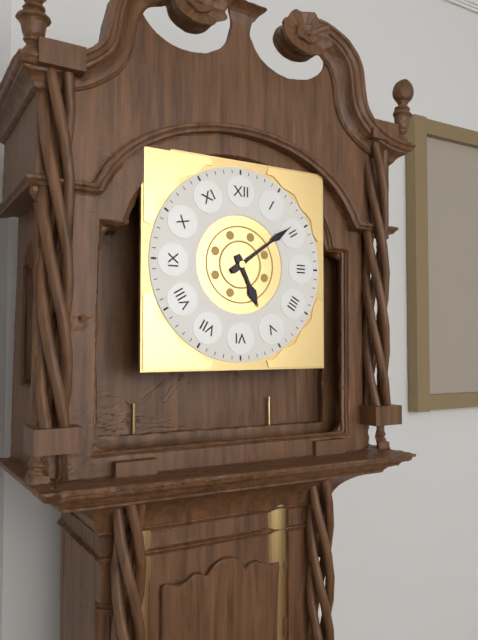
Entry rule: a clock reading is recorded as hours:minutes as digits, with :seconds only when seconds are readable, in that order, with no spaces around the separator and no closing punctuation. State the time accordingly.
5:09
